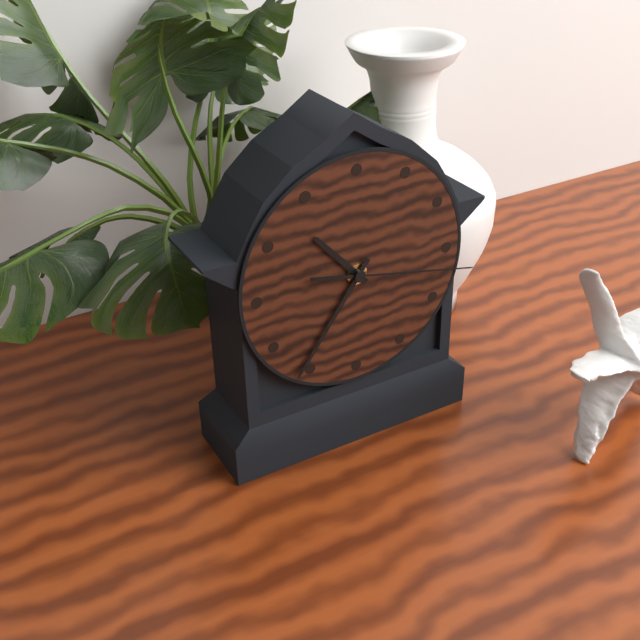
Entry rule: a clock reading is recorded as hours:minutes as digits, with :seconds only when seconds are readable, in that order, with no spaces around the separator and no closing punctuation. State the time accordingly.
10:36:17
